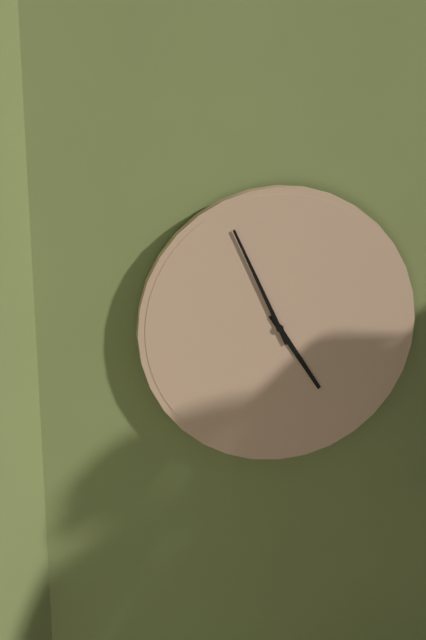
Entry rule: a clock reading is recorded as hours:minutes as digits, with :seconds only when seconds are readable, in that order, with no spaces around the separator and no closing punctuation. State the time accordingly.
4:56
